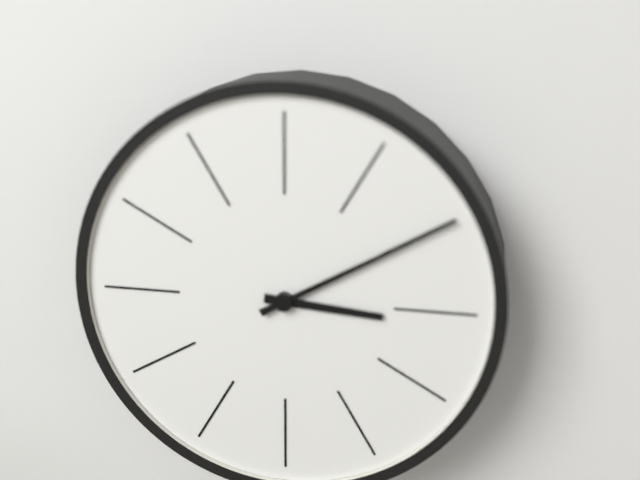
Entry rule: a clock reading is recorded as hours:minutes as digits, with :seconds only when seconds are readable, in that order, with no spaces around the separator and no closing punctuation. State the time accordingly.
3:10
